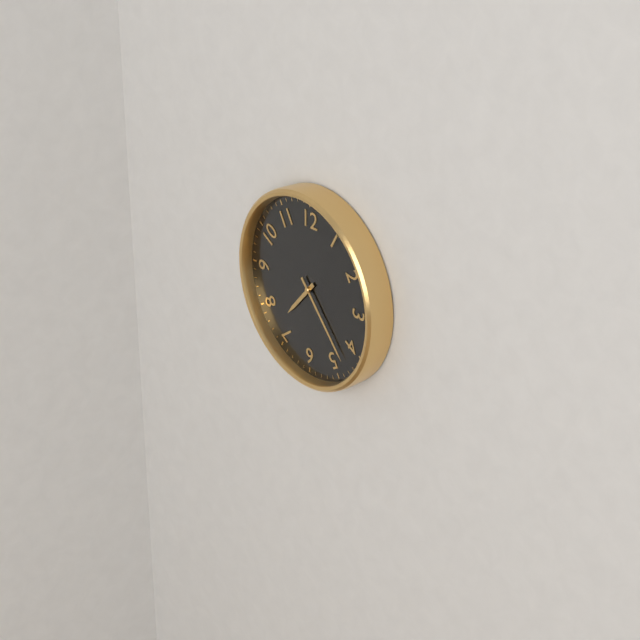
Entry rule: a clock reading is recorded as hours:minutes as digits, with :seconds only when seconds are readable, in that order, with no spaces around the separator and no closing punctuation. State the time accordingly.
7:23
